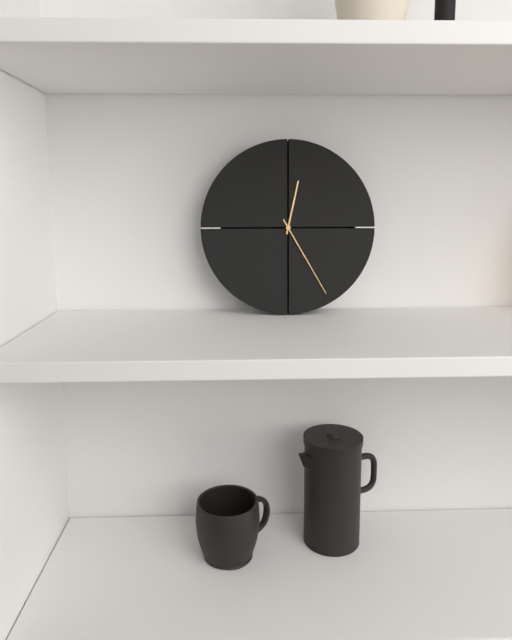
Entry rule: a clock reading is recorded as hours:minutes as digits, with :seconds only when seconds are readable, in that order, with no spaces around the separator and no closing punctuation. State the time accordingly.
12:25
